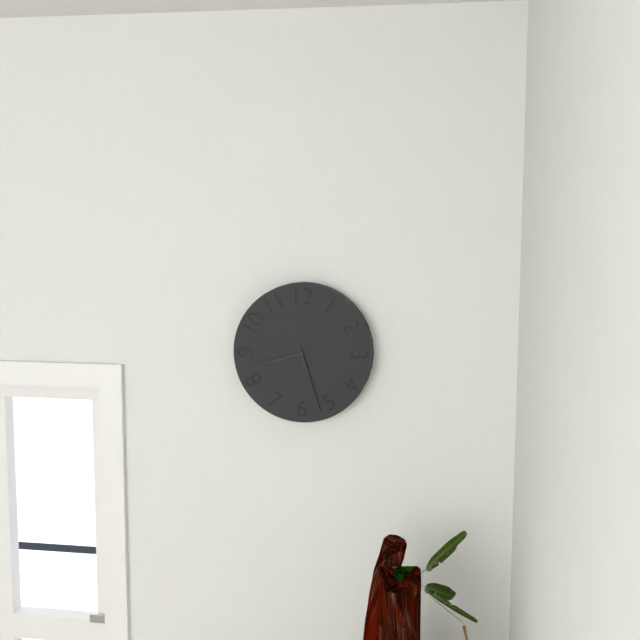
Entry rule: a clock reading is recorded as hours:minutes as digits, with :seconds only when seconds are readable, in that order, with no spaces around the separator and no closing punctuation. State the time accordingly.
8:27
